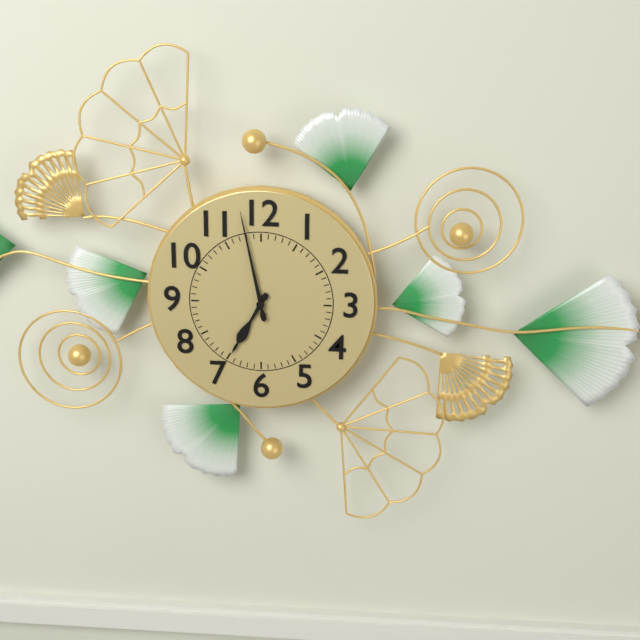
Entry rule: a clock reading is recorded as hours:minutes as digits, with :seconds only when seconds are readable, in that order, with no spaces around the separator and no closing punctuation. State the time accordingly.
6:58
